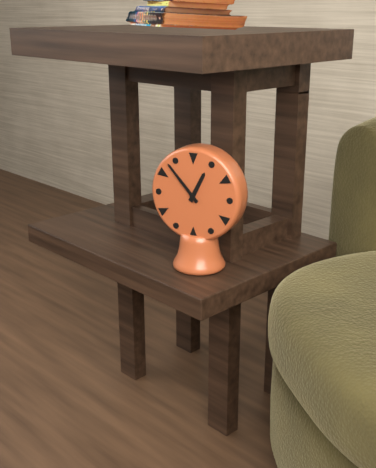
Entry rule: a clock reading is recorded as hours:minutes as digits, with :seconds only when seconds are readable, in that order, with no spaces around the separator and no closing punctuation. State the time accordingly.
12:53
